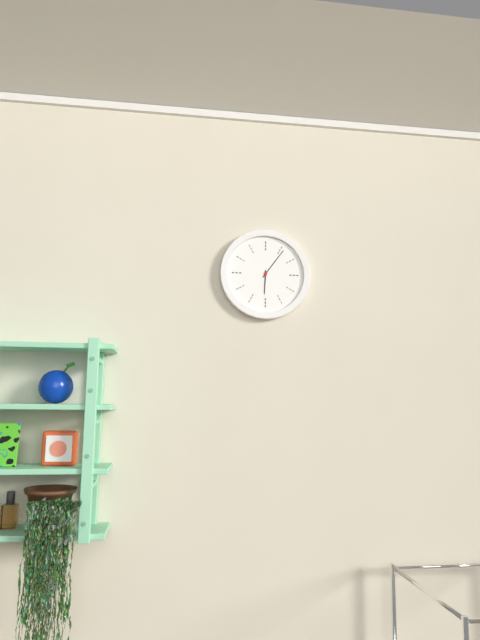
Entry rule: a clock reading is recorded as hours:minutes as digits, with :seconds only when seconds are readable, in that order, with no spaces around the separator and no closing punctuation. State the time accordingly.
6:06
